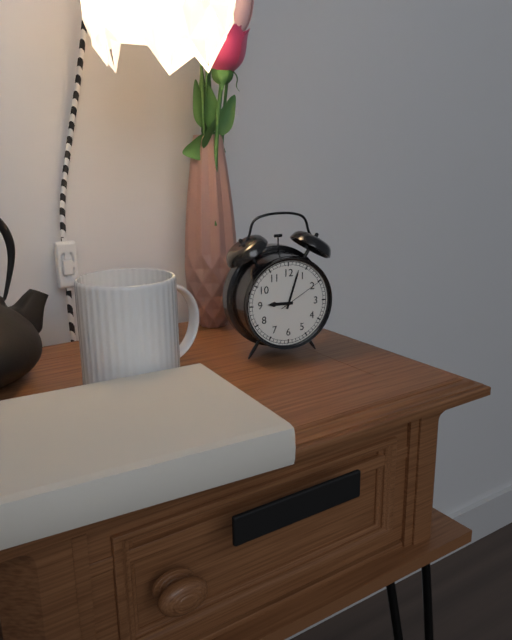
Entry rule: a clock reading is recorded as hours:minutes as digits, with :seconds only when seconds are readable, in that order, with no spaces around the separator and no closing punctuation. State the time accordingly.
9:03
